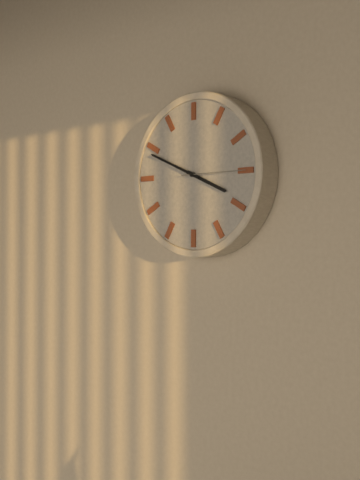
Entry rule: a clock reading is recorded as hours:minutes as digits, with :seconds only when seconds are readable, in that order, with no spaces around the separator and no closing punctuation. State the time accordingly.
3:49:15
